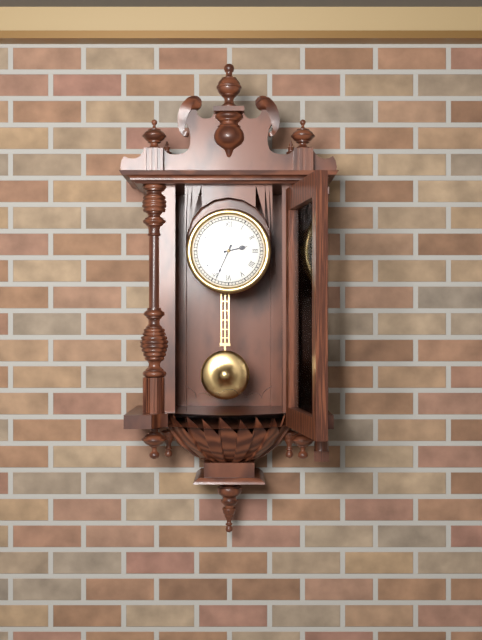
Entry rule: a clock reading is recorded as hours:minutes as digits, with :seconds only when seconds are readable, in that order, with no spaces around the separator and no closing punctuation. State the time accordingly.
2:34
